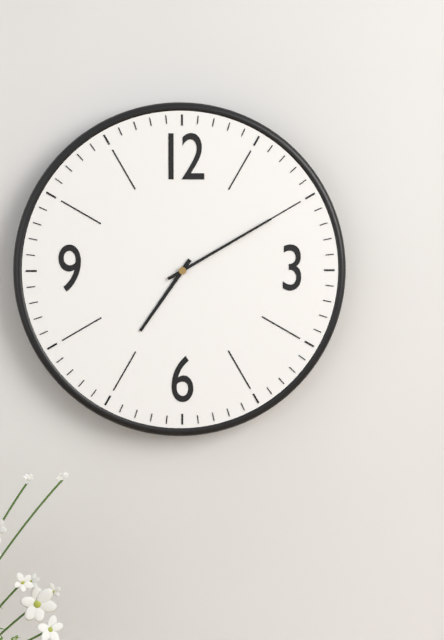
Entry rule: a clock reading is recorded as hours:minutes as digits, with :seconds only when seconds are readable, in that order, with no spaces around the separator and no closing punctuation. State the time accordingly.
7:10
